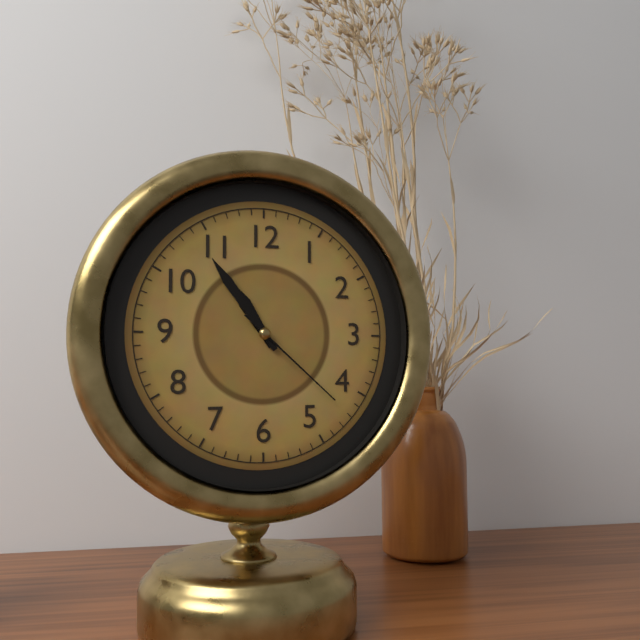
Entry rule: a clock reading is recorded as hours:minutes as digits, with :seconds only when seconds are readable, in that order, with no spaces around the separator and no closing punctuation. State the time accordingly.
10:54:22
